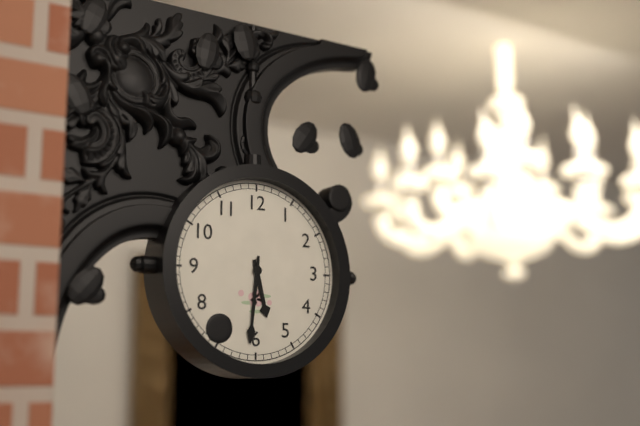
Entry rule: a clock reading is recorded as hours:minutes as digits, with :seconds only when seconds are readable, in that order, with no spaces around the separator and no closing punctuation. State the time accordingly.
5:31
